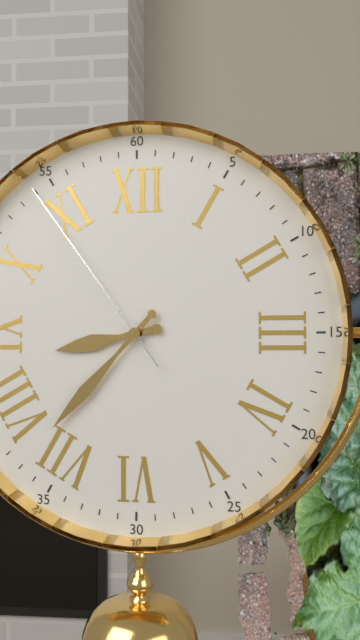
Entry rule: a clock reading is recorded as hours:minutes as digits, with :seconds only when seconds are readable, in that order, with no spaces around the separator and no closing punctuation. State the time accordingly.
8:37:54
